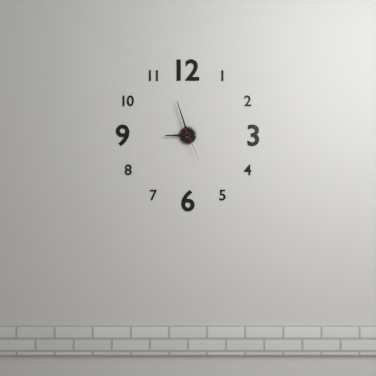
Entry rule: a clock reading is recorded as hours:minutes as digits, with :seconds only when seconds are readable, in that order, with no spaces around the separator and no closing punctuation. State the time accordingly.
8:57
